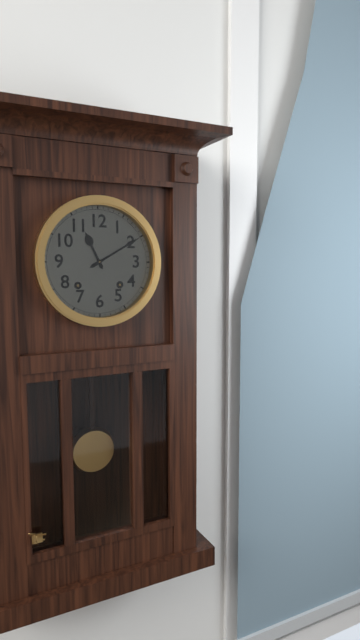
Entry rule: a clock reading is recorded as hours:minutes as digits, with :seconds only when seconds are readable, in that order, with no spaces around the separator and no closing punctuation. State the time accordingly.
11:10
